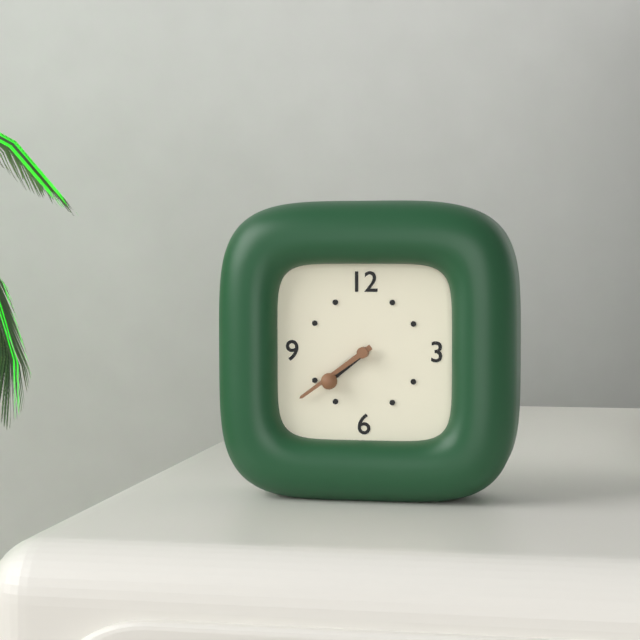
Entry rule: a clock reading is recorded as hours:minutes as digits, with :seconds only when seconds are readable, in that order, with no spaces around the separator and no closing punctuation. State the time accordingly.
7:39
